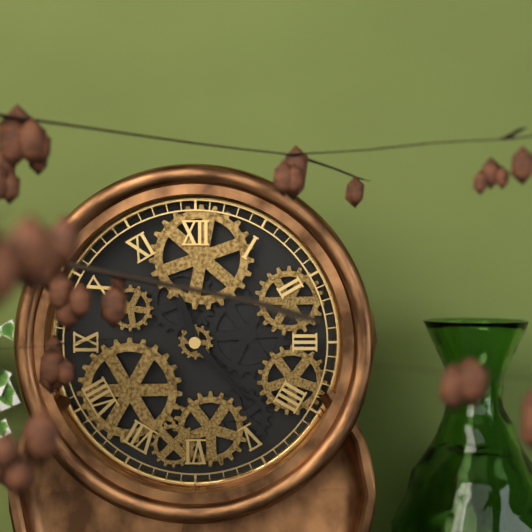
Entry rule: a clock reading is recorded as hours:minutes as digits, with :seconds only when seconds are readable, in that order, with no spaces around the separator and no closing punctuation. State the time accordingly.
11:23
